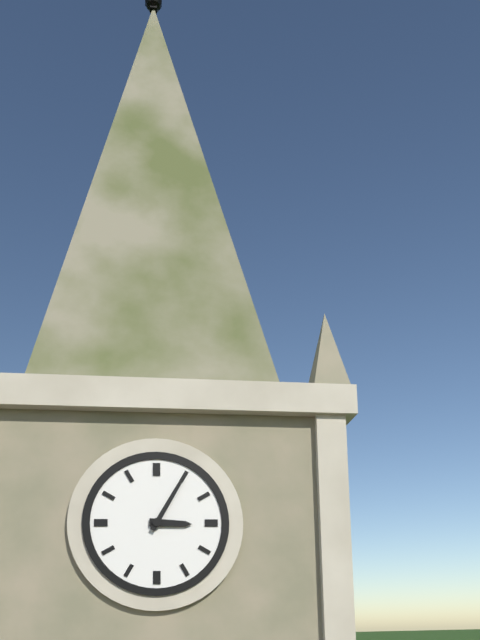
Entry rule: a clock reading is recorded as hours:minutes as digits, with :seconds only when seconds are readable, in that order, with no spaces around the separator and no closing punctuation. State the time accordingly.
3:05
